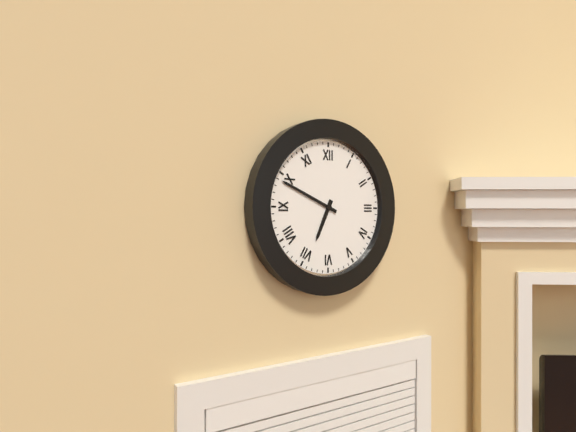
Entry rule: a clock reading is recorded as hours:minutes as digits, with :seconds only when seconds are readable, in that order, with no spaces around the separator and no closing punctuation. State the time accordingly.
6:49
